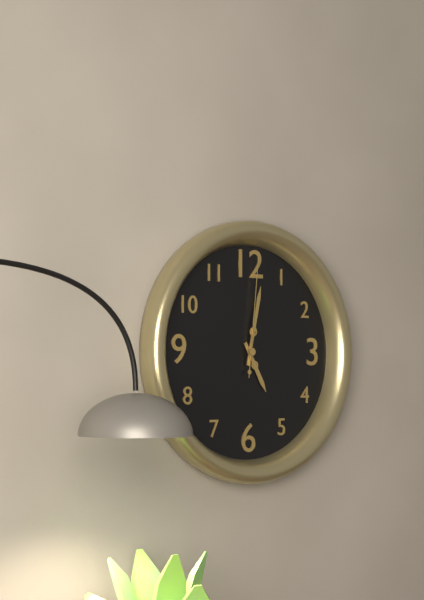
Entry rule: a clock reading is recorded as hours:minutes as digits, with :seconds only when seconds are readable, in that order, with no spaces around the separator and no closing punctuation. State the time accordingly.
5:02:01
